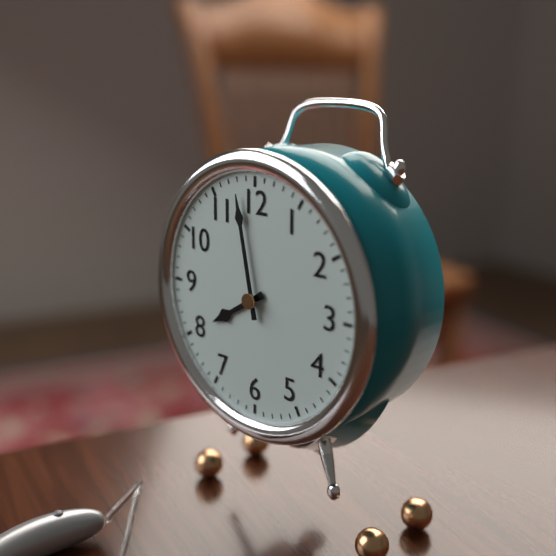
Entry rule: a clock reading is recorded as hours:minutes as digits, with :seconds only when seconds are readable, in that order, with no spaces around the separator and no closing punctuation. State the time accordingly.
7:58
